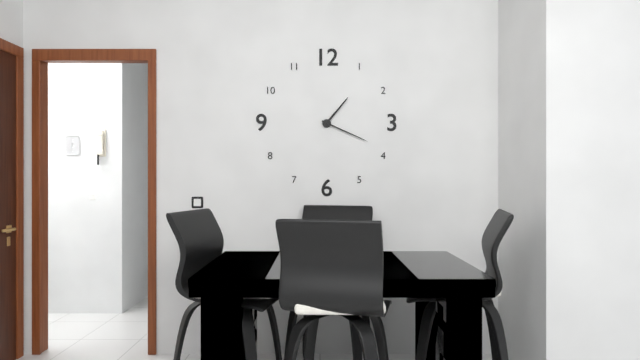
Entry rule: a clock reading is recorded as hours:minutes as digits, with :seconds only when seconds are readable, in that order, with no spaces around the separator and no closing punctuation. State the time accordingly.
1:19
